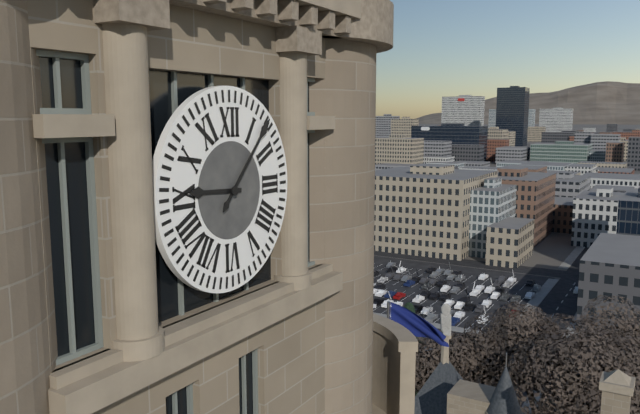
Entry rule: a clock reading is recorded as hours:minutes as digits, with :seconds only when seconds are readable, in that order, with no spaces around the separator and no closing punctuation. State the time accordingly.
9:07
